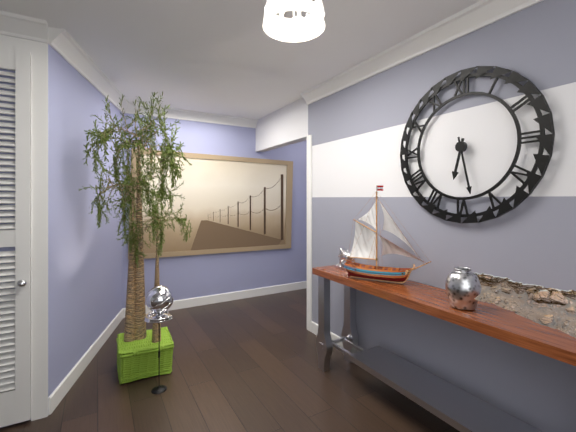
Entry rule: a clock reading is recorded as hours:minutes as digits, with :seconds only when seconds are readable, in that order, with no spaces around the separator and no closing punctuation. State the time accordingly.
6:28
